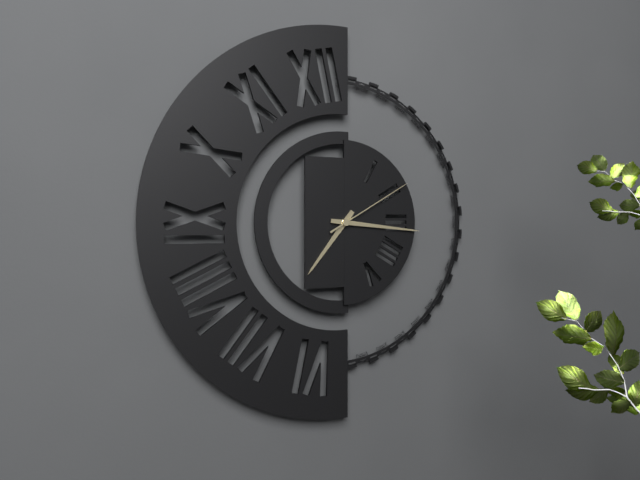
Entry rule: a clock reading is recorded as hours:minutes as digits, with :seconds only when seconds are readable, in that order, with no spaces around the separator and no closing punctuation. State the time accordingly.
7:16:10
